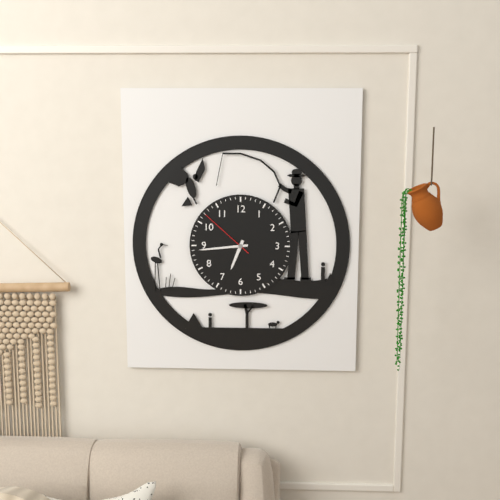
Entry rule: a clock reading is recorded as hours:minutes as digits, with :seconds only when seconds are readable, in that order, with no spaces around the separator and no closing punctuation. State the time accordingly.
6:44:52
